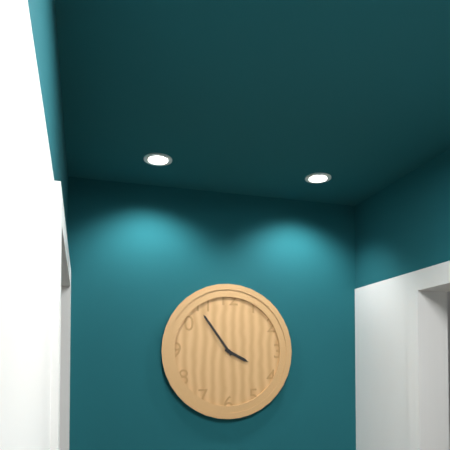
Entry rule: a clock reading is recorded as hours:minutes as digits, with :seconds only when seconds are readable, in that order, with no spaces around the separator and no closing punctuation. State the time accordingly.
3:54
